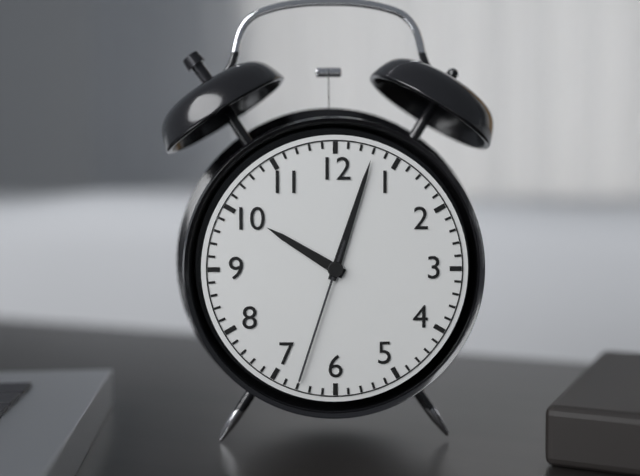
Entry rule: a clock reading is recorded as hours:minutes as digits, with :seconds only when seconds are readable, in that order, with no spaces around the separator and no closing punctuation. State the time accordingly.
10:03:33
